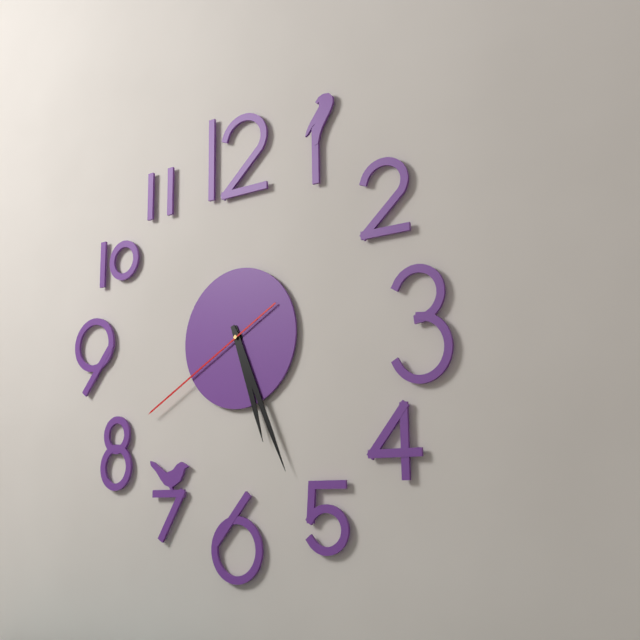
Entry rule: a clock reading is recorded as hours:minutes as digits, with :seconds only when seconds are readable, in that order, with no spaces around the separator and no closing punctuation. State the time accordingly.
5:26:40
